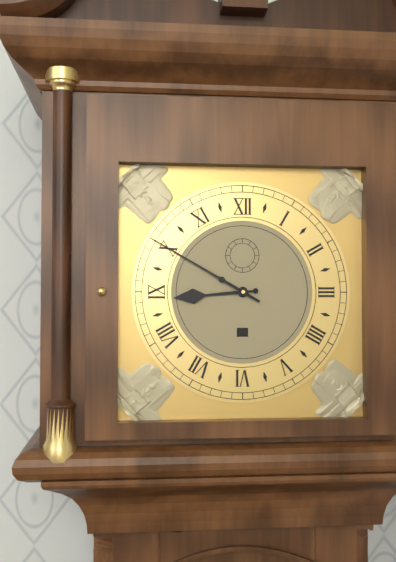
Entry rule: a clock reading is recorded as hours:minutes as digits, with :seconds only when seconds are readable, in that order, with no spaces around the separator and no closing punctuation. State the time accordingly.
8:50
